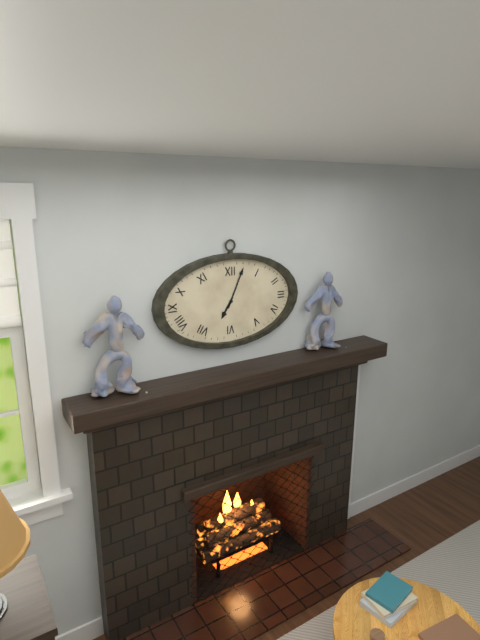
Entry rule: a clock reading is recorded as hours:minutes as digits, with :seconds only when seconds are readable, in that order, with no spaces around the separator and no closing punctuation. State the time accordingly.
7:04
